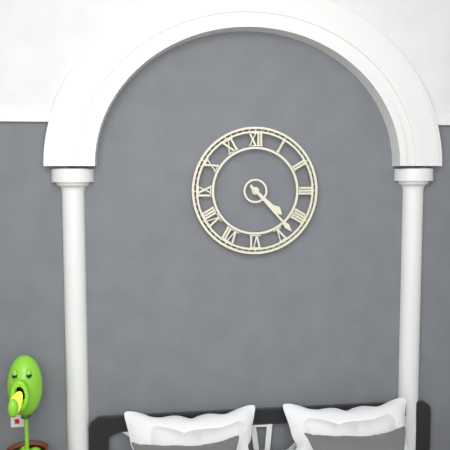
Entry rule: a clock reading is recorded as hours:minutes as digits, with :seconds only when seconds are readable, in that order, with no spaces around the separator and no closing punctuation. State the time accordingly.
4:23
